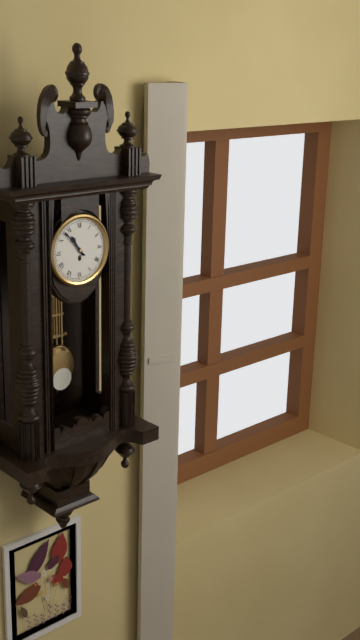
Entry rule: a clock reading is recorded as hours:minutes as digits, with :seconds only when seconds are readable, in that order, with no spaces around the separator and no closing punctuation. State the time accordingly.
10:53
